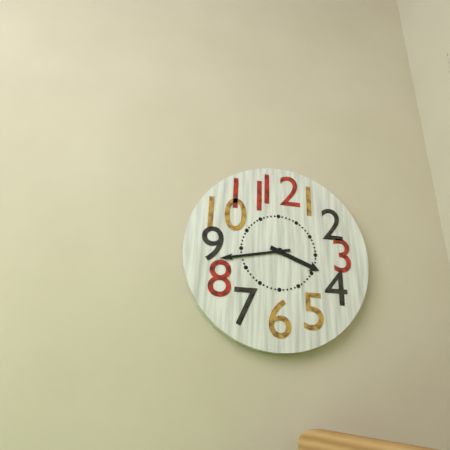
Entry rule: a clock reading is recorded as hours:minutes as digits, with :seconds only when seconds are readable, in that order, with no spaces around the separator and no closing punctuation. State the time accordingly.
3:43
